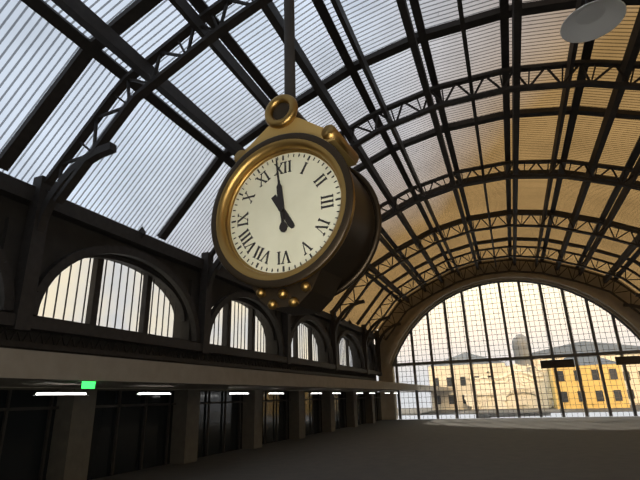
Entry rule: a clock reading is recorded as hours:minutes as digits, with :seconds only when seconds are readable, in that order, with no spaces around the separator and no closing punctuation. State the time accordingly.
4:59
